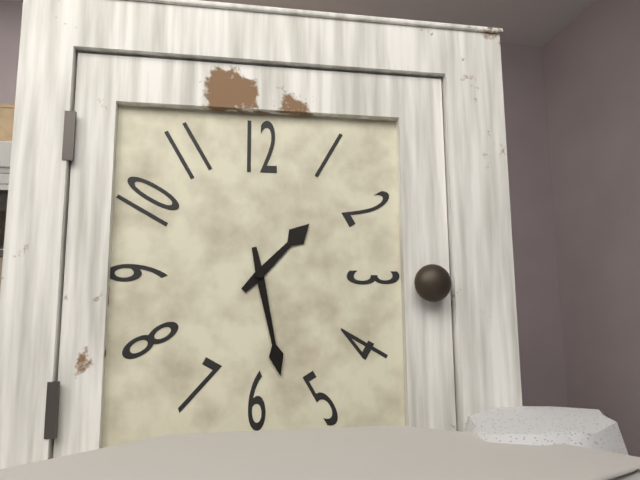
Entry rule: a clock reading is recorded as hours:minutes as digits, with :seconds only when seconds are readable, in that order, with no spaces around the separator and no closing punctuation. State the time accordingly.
1:28
